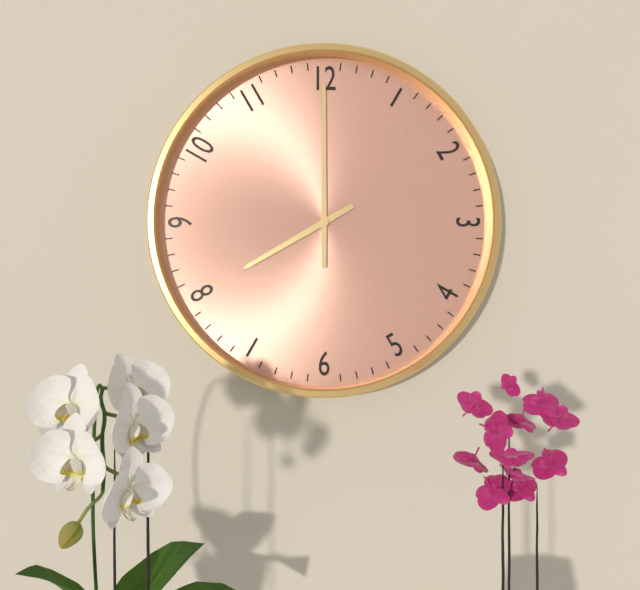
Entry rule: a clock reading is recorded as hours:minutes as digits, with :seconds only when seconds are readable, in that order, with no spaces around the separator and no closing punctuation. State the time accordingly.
8:00
